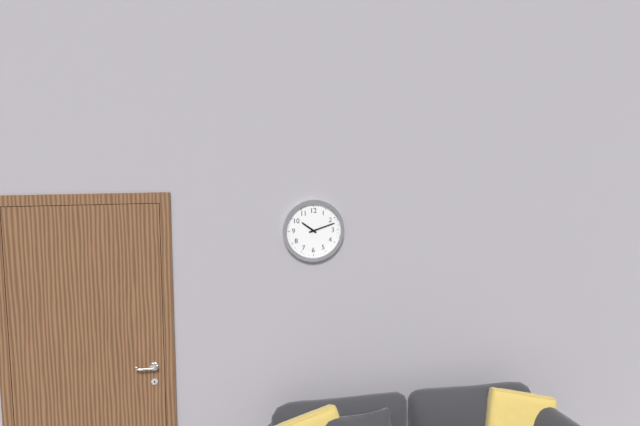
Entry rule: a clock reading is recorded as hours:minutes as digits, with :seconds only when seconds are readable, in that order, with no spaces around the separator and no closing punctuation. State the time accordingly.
10:12
